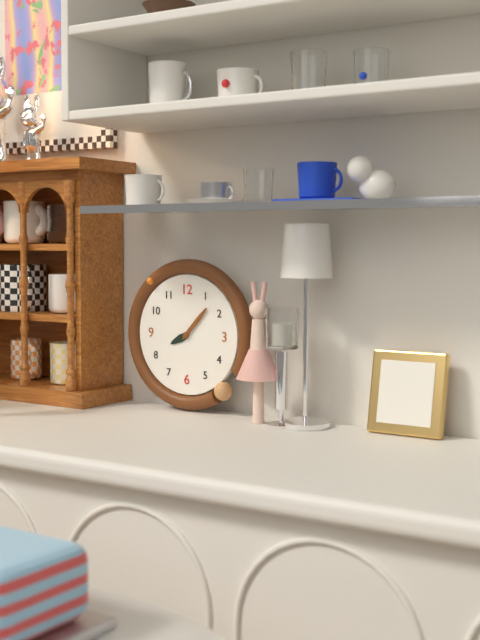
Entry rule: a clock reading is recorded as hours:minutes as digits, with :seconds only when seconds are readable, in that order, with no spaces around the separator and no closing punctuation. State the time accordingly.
8:07
